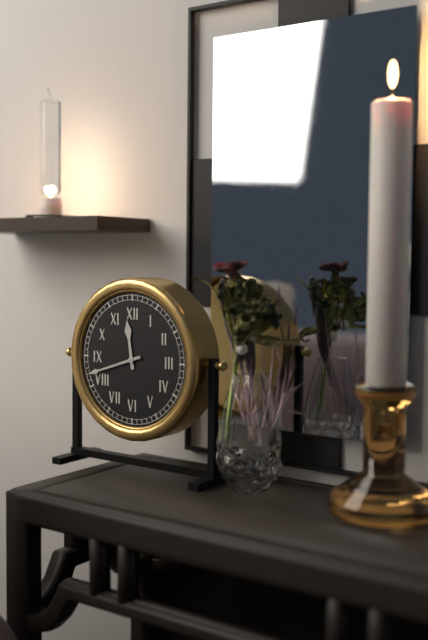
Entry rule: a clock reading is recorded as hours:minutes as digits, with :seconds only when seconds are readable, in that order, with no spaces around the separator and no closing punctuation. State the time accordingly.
11:42
